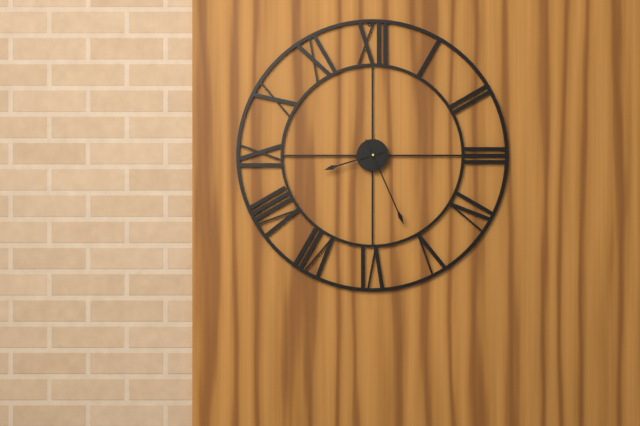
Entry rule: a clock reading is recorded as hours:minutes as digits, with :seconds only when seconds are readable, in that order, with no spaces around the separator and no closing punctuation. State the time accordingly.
8:26
